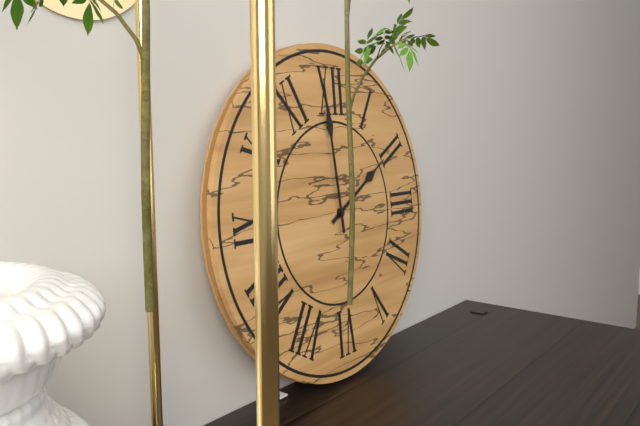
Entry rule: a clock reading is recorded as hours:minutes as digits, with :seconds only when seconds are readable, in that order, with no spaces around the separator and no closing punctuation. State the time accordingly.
1:59
